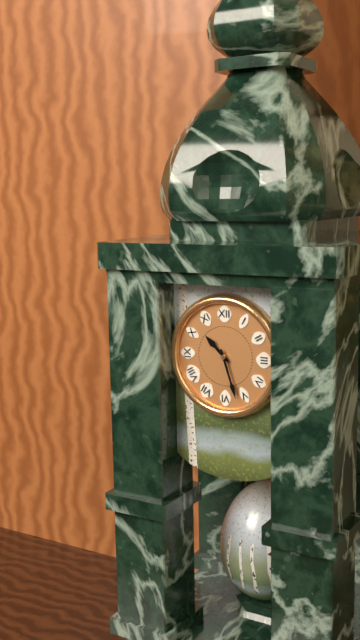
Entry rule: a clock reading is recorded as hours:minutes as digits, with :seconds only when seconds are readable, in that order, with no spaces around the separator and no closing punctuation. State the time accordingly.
10:27
